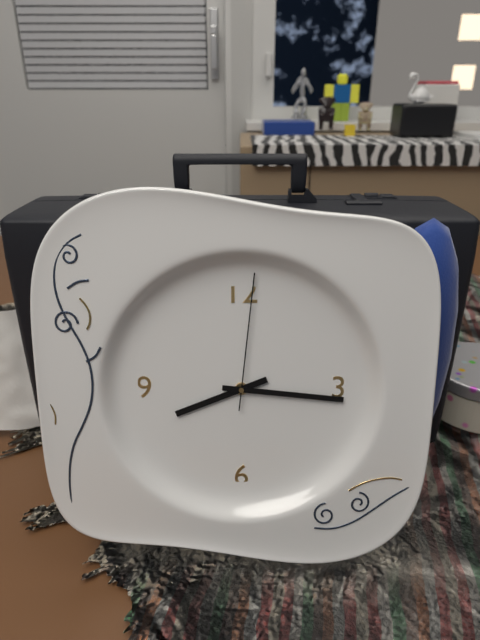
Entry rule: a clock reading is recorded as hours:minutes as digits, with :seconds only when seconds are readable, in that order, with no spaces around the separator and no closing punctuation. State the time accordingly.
8:16:01
